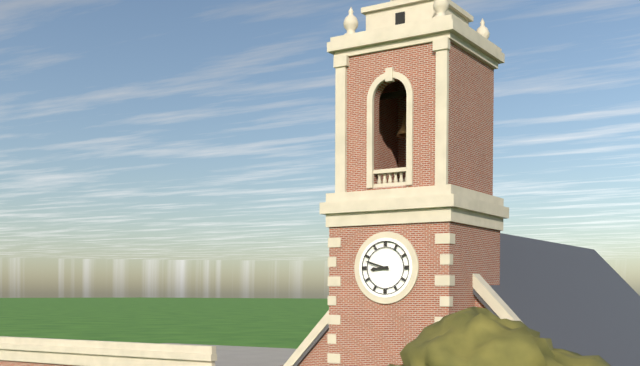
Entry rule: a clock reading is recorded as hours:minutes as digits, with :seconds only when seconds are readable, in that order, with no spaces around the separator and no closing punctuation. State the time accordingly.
8:48
